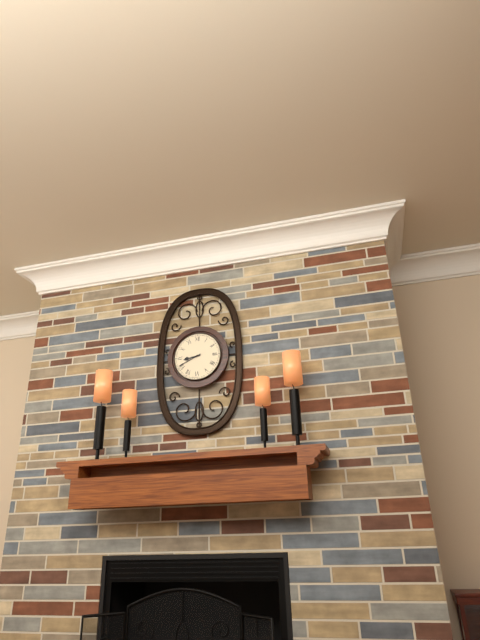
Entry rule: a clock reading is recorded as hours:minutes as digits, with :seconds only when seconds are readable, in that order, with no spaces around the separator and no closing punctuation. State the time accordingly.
8:41
